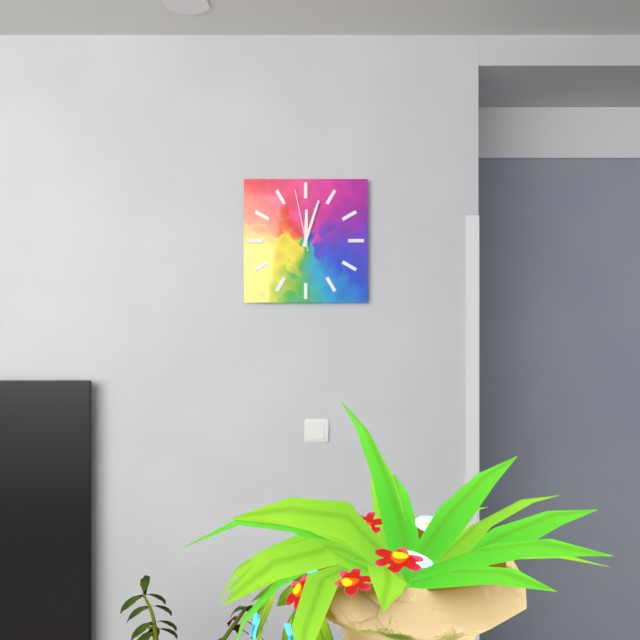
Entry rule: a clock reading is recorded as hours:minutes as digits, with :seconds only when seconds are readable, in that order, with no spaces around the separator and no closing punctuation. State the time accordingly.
12:03:58
